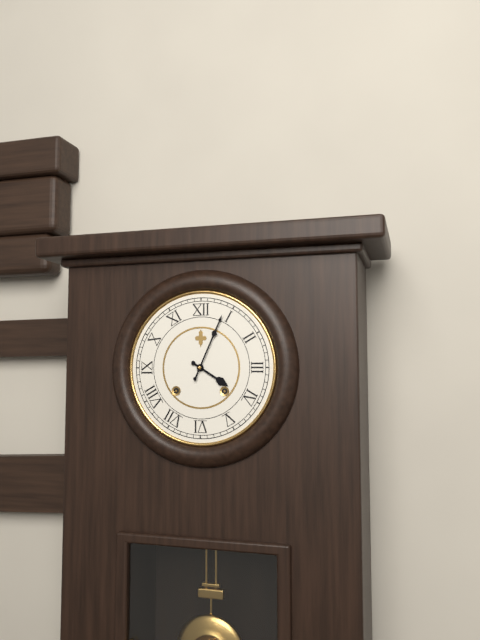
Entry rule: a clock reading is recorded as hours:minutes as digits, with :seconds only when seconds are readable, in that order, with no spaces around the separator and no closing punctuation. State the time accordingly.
4:04
